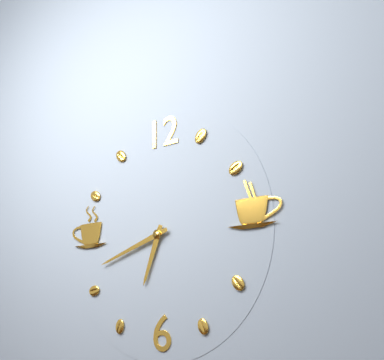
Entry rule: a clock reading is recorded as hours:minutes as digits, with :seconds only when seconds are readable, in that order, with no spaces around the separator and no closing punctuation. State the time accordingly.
6:42
